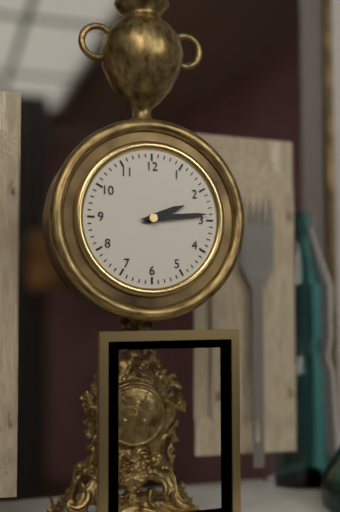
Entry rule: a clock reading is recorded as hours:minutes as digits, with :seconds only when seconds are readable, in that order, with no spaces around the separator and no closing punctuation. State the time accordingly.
2:14
